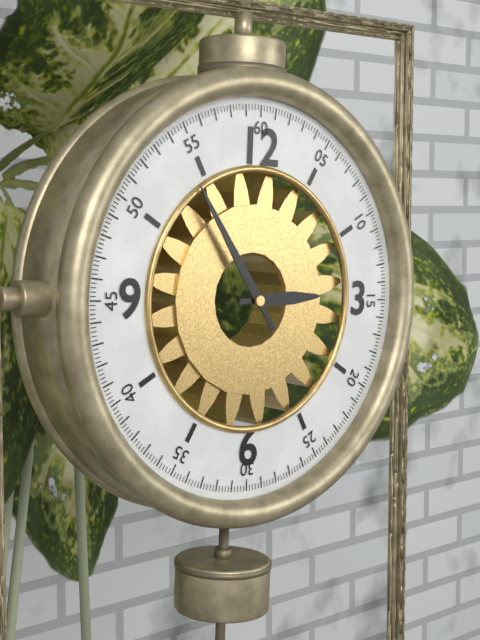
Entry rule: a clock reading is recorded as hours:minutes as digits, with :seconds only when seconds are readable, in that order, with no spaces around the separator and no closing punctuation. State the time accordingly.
2:54
